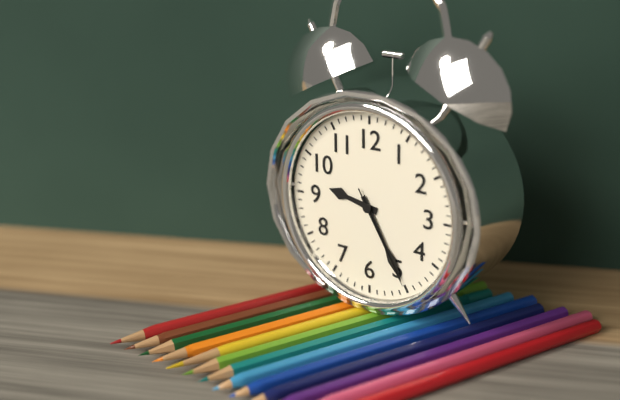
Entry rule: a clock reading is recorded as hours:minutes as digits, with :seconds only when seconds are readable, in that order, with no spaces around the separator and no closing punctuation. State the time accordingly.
9:25:25
